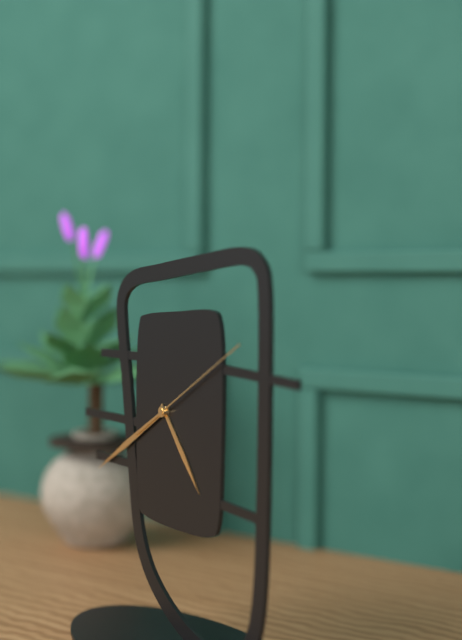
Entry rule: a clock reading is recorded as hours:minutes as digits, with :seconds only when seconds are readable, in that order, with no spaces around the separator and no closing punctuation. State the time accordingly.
4:40:10
